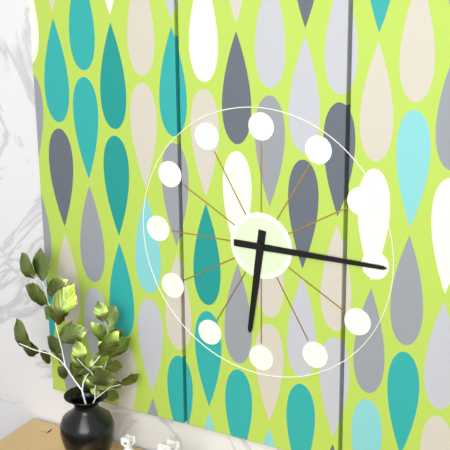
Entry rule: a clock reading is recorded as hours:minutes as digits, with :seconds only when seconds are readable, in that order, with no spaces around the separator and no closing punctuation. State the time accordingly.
6:15
